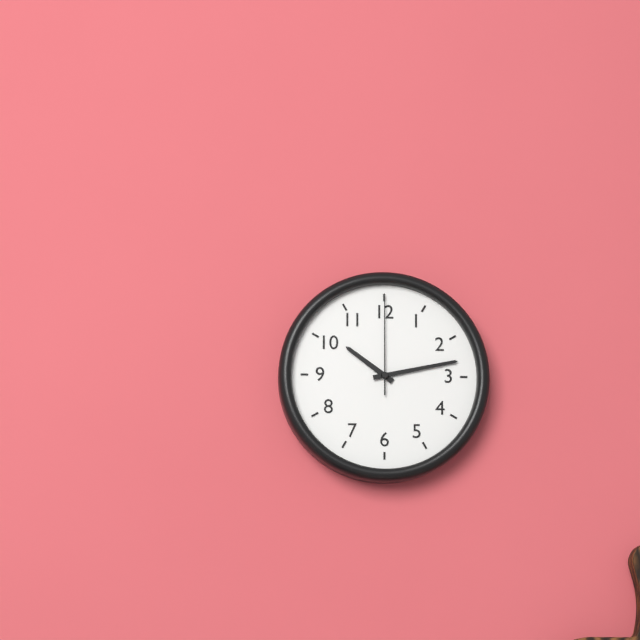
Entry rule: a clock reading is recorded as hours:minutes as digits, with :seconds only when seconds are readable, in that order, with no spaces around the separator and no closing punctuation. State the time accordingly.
10:13:00
